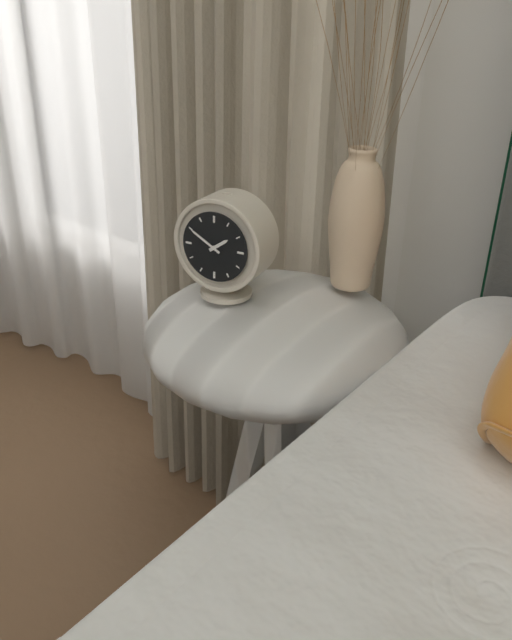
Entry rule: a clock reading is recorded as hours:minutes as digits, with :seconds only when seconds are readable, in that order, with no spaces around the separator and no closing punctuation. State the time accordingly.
1:50
